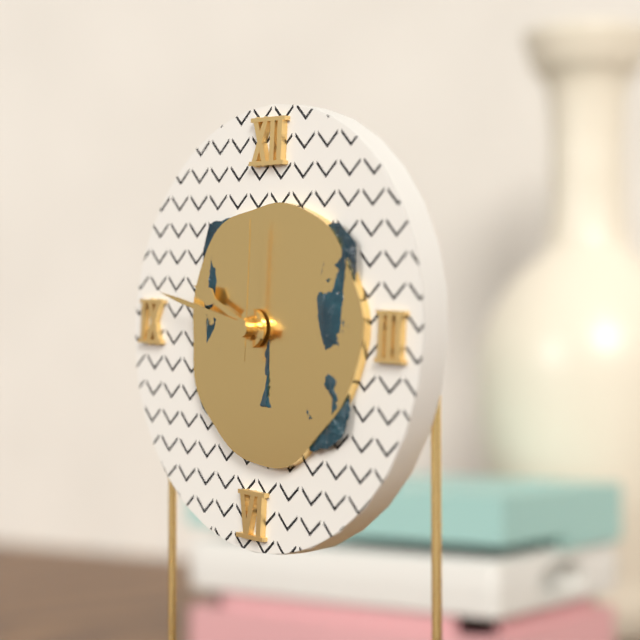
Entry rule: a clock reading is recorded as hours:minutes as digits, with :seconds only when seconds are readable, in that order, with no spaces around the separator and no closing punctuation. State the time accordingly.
9:47:00
